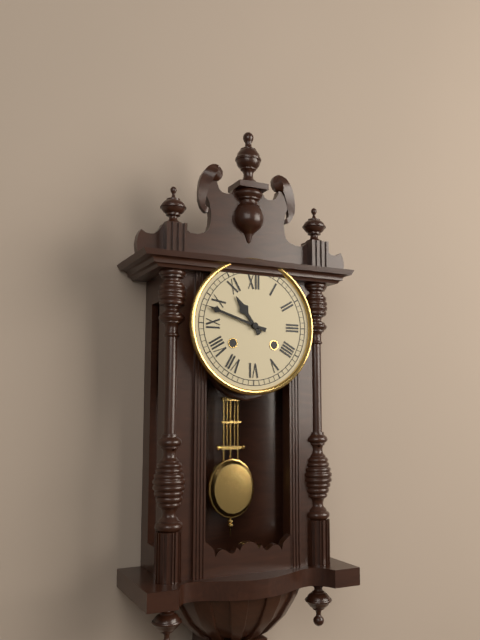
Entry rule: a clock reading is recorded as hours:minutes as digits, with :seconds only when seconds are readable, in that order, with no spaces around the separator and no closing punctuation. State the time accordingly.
10:48
